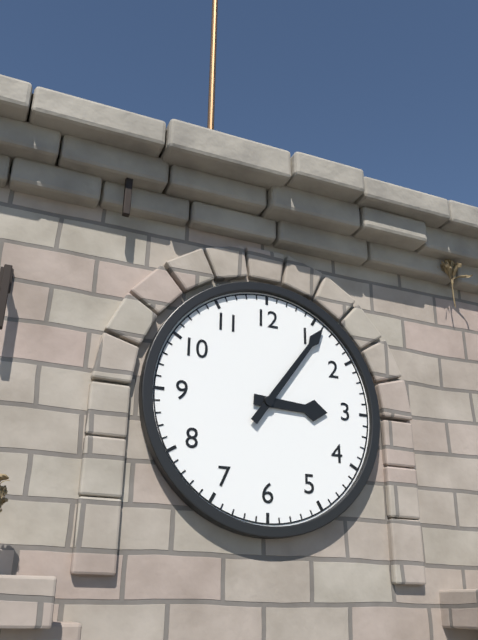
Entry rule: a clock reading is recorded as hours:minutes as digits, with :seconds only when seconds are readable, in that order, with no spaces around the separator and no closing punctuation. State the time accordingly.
3:06
